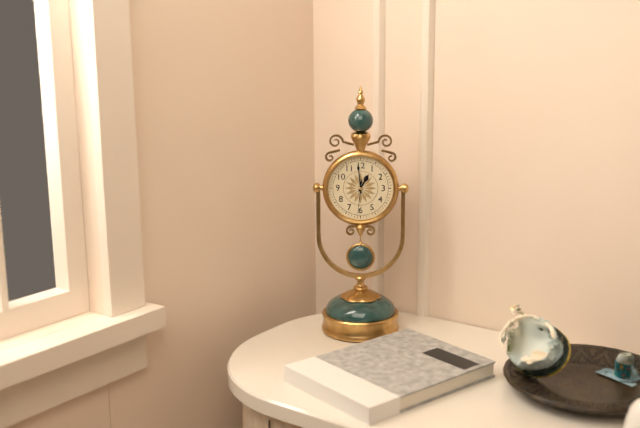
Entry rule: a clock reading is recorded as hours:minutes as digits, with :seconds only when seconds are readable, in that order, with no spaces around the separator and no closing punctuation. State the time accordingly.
12:59
